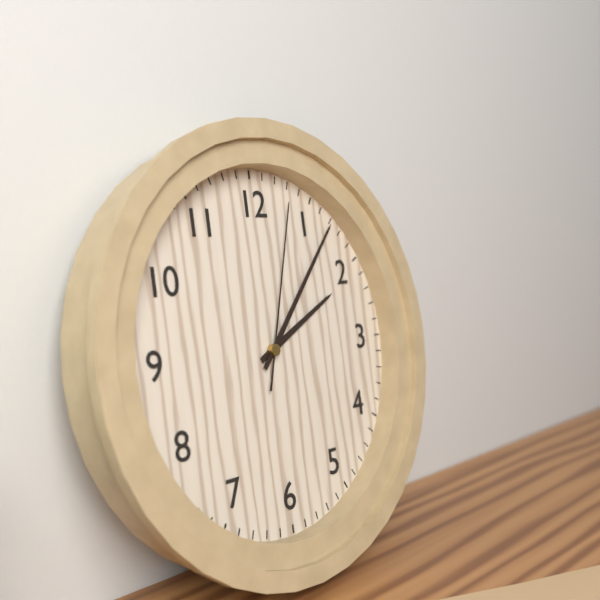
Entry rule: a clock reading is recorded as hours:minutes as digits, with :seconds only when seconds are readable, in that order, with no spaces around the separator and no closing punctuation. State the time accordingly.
2:07:03
